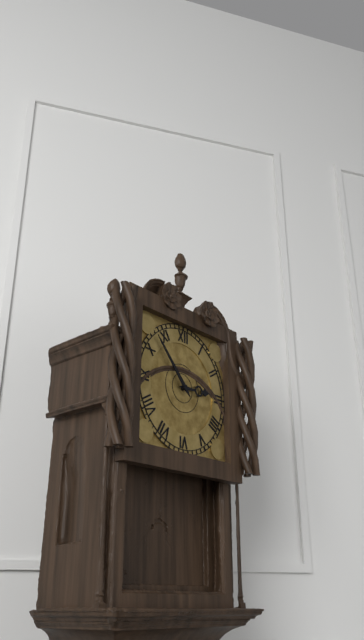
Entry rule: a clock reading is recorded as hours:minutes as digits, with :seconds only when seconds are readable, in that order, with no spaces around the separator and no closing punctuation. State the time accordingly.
2:53
